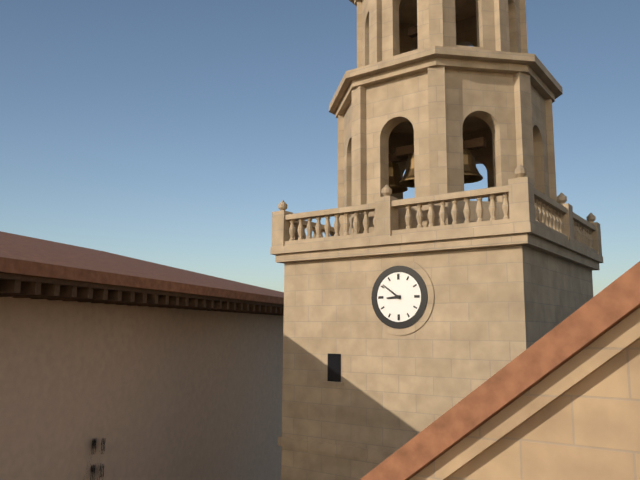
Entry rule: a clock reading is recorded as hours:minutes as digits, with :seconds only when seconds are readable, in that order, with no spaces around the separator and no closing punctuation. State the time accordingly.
8:51
